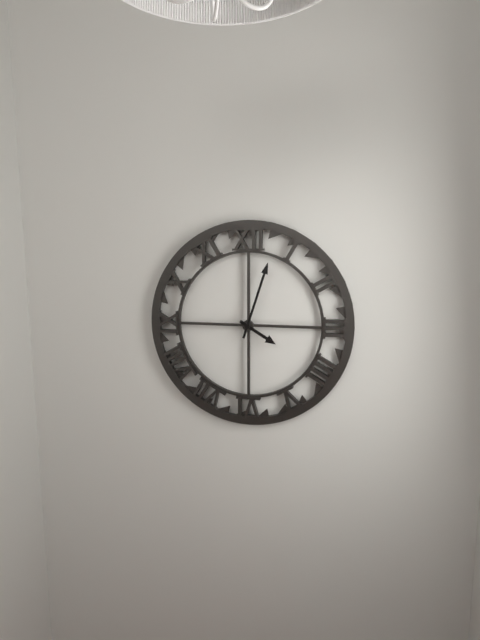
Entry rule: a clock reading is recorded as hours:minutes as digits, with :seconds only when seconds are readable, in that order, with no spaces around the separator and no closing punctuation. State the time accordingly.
4:03
